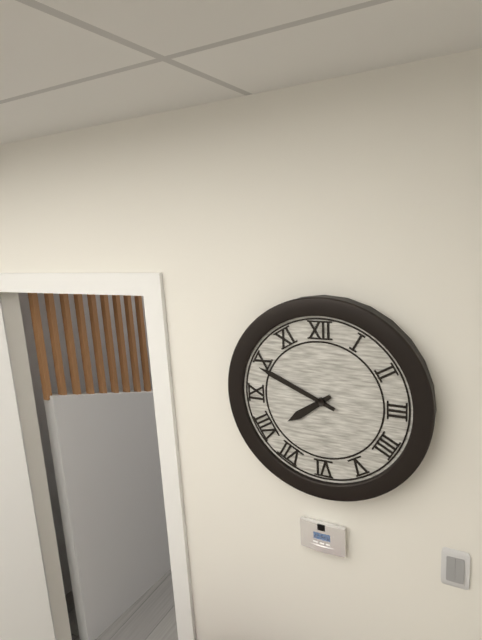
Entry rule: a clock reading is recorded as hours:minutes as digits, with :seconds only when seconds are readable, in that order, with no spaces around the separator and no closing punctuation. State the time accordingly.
7:49
